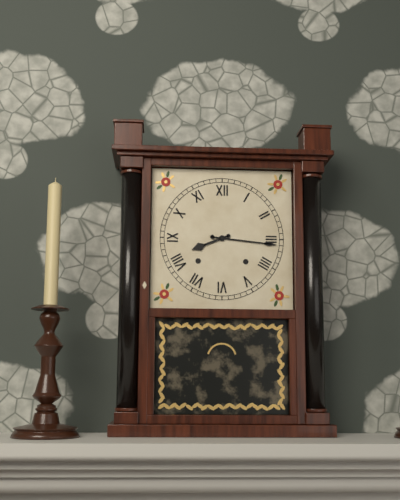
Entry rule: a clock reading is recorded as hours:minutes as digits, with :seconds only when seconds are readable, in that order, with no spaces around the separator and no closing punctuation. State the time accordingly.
8:16
